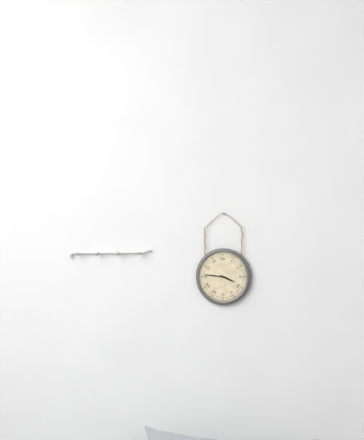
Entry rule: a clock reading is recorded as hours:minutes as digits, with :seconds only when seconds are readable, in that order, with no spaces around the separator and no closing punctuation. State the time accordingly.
3:46
